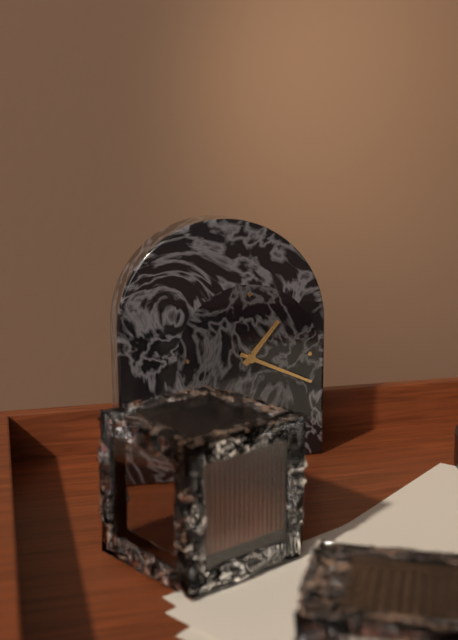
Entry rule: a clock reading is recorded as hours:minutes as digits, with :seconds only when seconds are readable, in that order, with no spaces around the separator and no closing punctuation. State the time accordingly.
1:19
